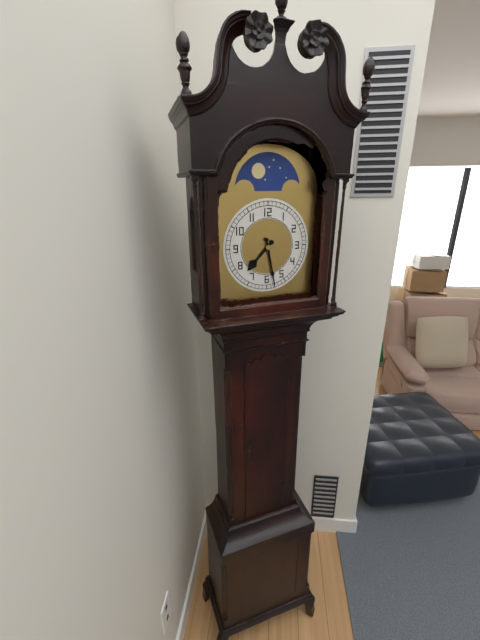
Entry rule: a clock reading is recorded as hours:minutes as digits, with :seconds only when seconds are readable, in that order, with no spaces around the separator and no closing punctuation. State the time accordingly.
7:28
